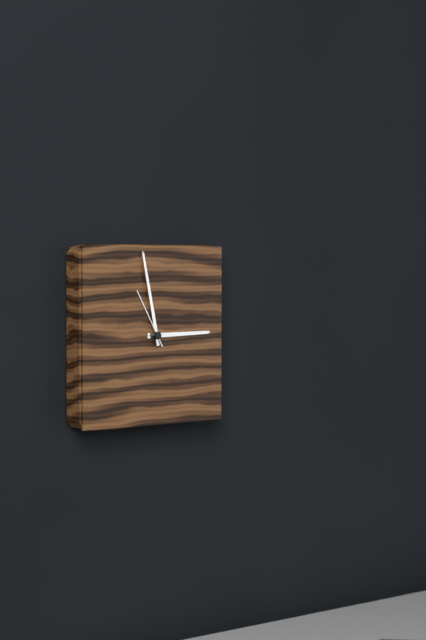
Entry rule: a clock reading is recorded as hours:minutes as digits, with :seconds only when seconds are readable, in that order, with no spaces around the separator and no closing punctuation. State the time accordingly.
2:58:55
